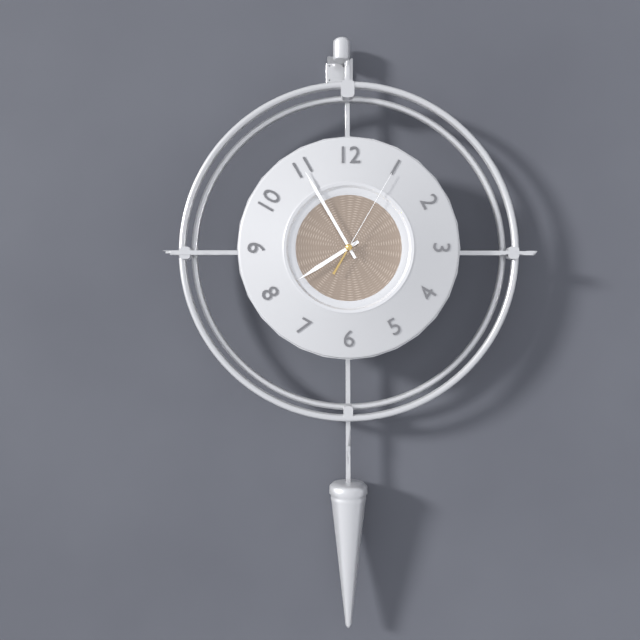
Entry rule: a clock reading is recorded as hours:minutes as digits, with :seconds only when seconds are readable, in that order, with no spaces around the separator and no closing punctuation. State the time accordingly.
7:55:05
